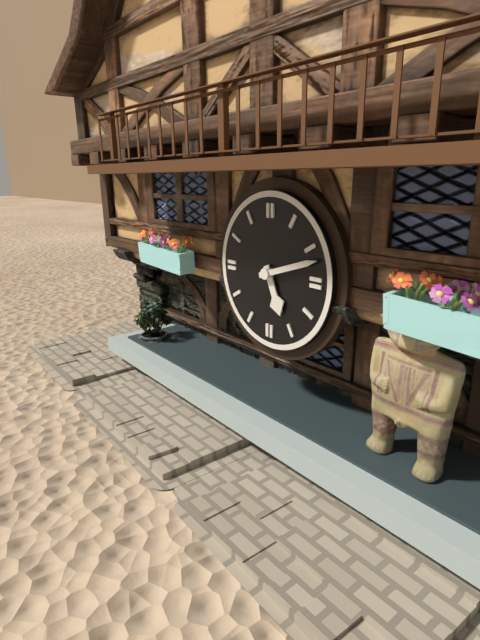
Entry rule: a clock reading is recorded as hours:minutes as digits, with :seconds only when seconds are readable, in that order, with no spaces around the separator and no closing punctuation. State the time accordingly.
5:12
